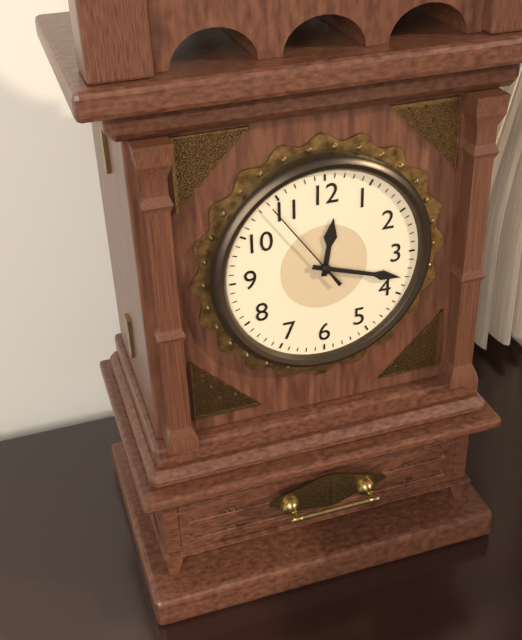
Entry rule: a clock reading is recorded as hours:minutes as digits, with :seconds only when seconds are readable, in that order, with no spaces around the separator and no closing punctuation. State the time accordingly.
12:18:54
